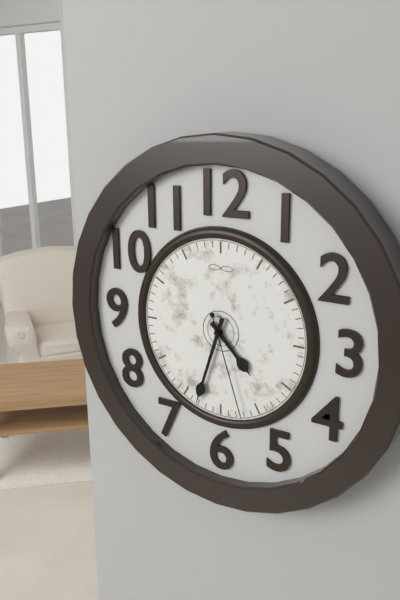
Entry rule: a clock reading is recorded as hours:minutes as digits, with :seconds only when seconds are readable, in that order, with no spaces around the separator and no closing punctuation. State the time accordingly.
4:33:27
